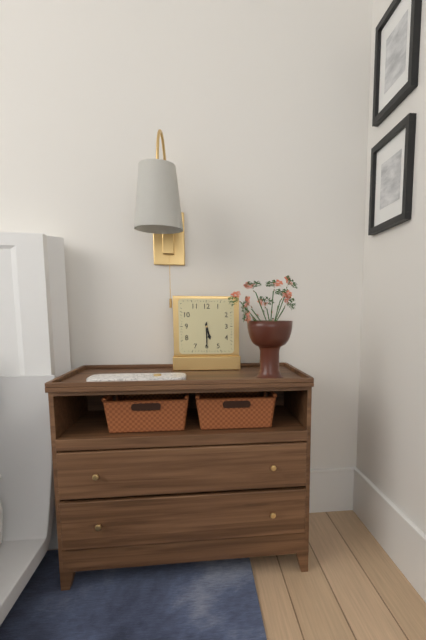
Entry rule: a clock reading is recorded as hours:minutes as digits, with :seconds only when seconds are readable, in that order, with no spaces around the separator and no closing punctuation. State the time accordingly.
5:30
